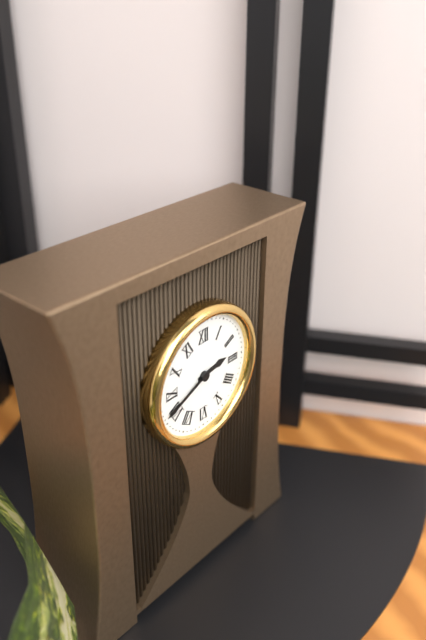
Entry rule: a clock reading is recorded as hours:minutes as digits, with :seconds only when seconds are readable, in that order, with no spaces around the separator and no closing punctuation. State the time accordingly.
2:41
